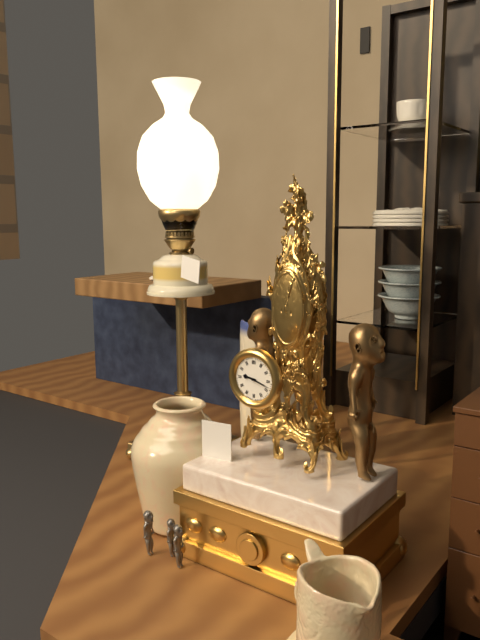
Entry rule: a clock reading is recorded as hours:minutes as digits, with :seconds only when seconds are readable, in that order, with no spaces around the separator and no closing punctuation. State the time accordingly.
9:18
